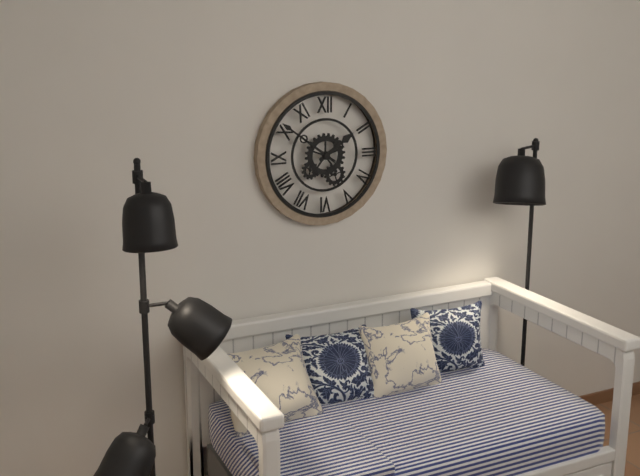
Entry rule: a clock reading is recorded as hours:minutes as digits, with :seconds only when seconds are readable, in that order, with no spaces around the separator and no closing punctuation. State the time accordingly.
1:51
